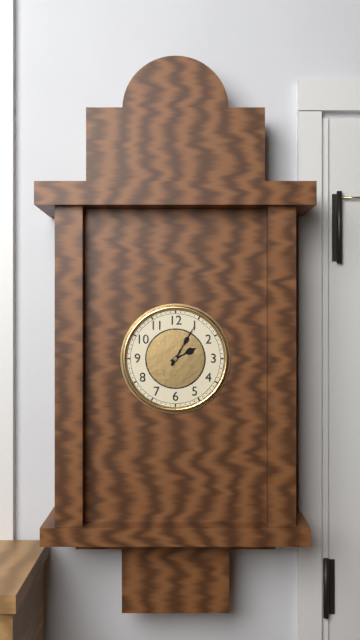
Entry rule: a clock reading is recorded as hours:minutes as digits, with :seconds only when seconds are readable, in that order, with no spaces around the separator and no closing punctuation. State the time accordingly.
2:05
